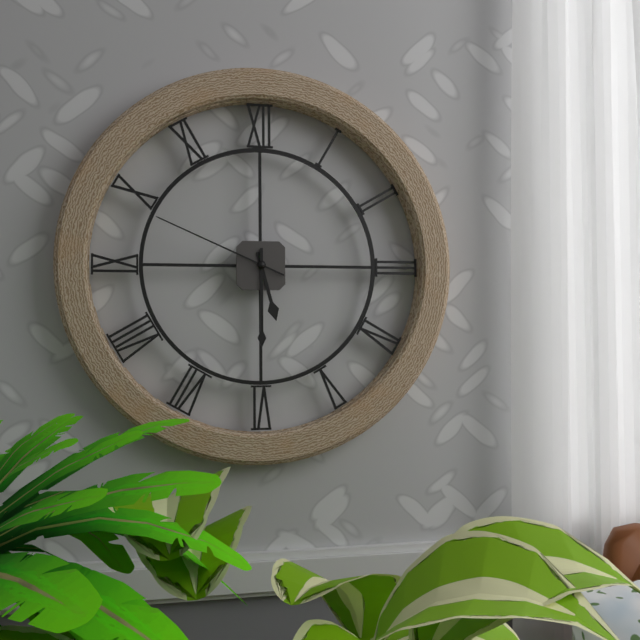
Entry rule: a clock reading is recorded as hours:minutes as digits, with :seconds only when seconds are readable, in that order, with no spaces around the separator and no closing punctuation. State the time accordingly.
5:30:49
